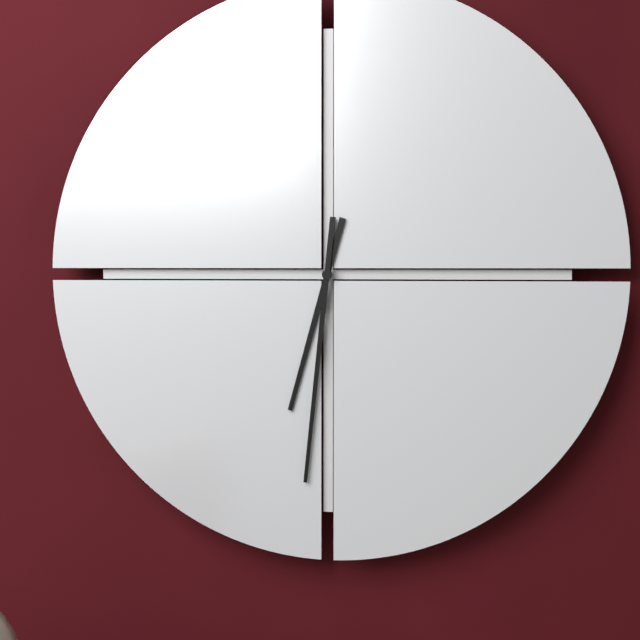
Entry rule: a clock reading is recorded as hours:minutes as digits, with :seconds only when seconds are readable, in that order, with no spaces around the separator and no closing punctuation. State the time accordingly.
6:31
